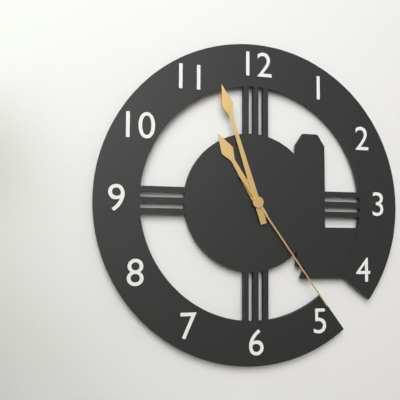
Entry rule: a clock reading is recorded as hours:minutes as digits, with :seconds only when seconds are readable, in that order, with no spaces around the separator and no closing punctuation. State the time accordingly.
10:57:24
